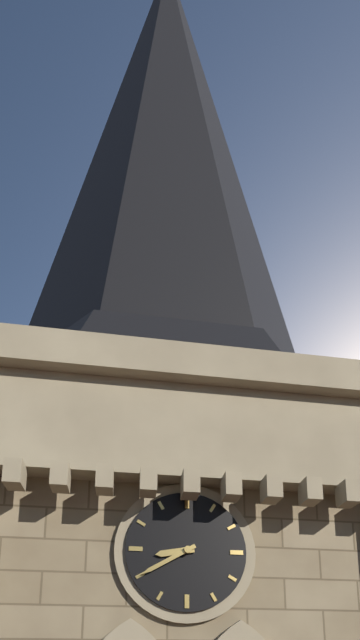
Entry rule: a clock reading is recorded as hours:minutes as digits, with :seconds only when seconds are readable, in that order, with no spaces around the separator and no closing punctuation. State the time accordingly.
8:40
